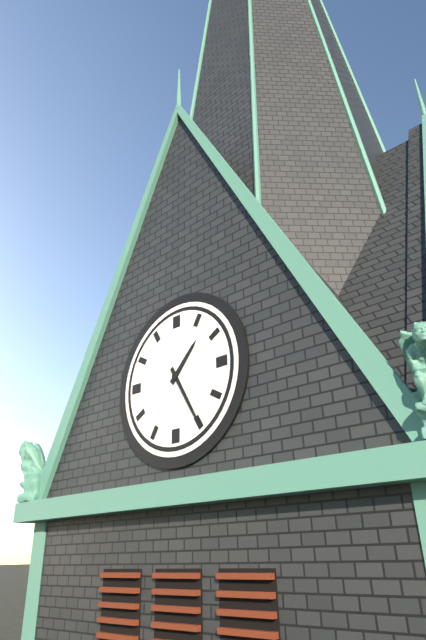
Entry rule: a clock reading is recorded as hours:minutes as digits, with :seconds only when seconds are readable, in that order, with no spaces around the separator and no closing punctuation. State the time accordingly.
1:25
